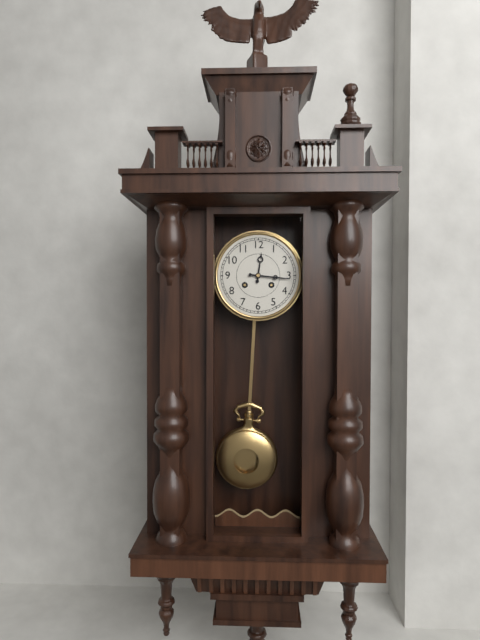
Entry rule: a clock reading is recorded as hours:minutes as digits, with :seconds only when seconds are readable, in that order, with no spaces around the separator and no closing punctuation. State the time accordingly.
12:16
